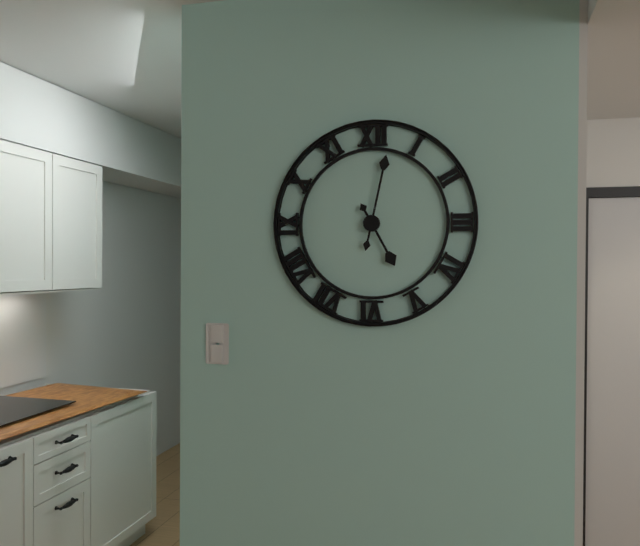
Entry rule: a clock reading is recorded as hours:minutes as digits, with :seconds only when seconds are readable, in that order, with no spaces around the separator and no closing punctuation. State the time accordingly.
5:02
